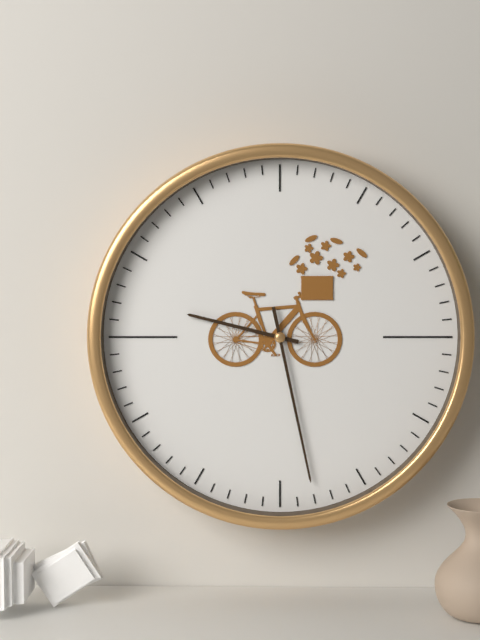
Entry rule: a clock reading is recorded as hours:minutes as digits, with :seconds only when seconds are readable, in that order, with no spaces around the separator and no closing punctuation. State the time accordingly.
9:28
